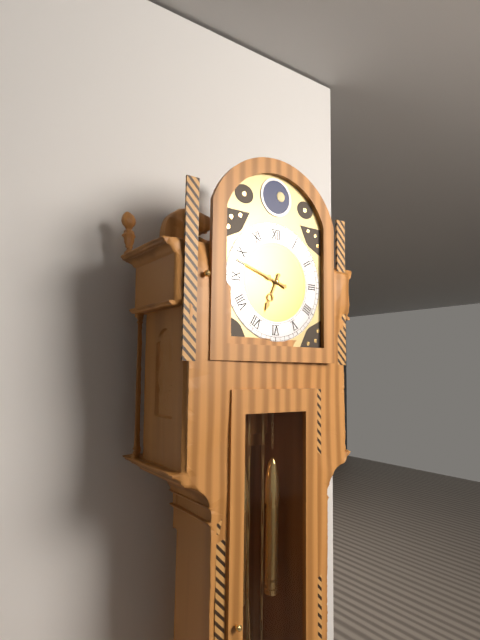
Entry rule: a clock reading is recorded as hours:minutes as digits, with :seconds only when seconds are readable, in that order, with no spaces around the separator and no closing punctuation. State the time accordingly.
6:48
